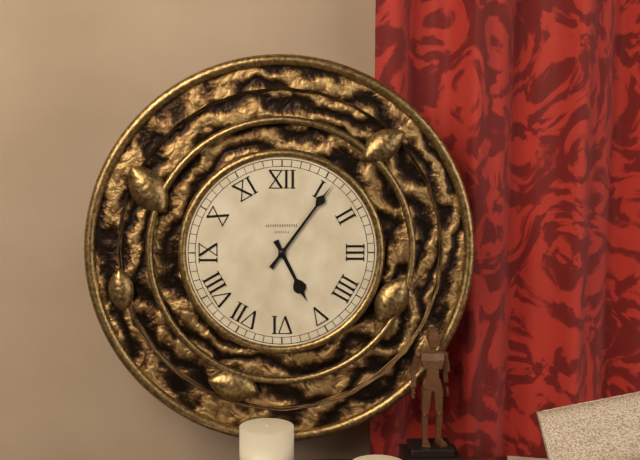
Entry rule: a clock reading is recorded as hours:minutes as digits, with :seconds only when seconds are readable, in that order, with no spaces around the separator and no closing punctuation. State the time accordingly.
5:06
